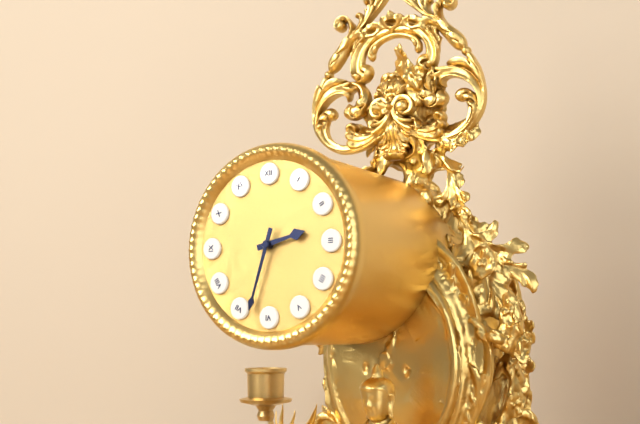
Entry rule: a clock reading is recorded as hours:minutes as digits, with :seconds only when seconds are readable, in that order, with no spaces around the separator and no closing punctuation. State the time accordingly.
2:33
